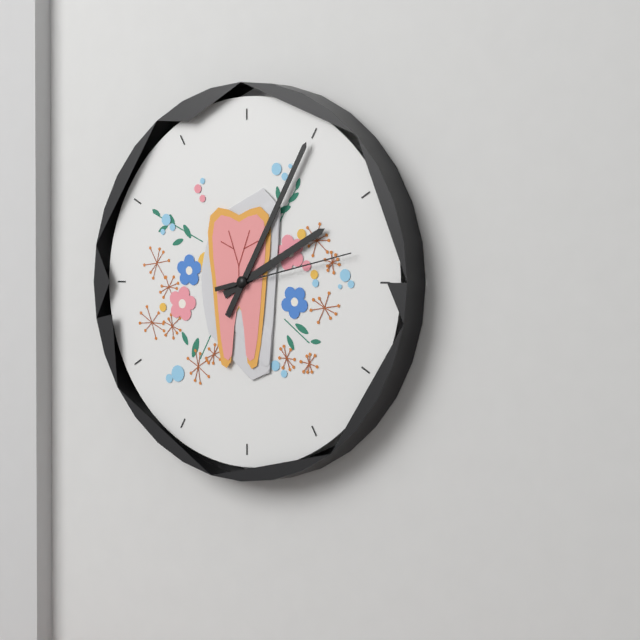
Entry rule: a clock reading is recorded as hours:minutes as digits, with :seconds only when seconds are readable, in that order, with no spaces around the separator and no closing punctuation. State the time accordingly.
2:05:13
